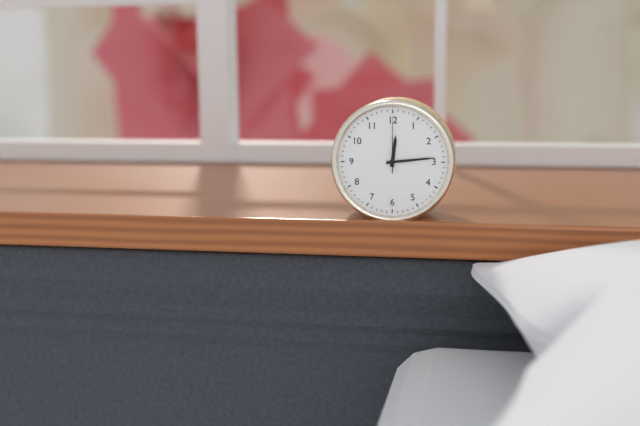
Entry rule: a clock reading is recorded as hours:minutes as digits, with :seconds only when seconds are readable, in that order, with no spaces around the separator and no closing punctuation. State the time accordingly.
12:14:00
